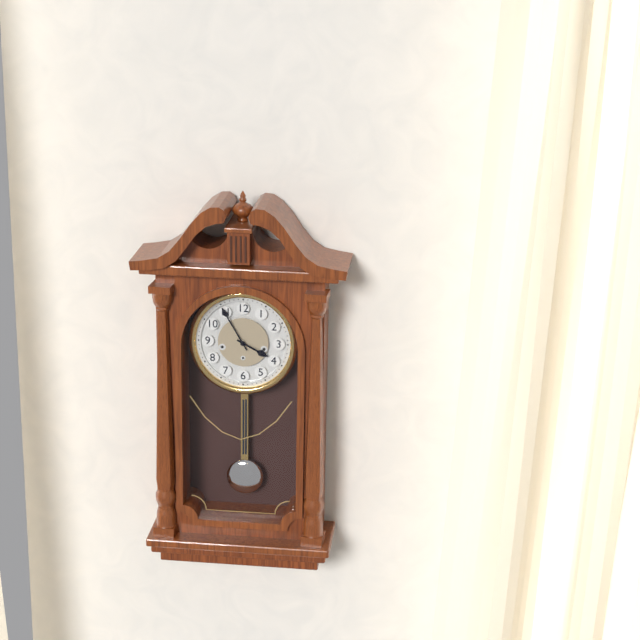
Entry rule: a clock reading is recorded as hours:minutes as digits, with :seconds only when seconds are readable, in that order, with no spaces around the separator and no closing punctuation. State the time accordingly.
3:55
